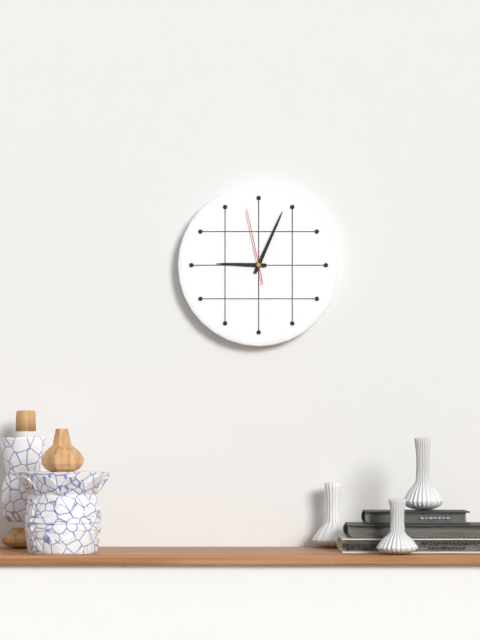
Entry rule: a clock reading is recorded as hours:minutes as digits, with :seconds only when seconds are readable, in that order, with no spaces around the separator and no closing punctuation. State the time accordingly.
9:04:58
